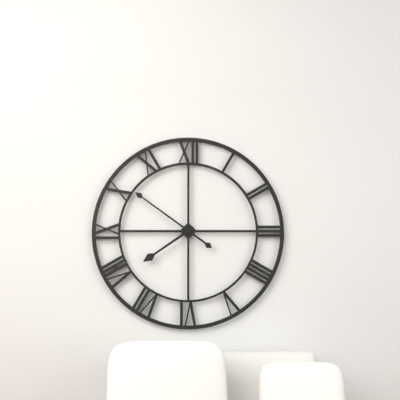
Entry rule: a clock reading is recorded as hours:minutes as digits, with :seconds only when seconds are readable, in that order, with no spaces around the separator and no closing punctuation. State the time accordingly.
7:51
